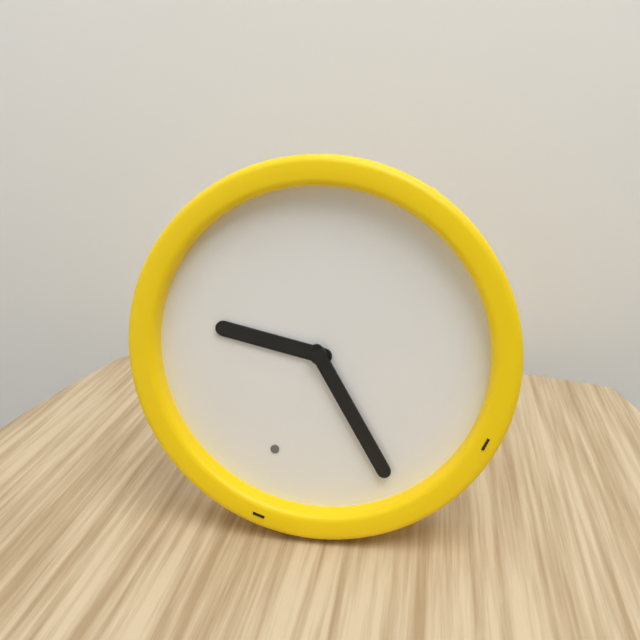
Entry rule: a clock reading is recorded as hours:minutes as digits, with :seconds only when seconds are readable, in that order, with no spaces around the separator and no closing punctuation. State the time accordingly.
9:25
